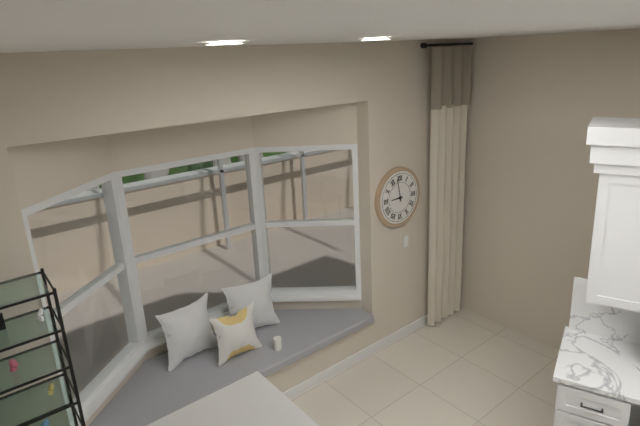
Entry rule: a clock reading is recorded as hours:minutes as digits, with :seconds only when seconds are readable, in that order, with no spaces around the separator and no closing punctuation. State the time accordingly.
8:58
